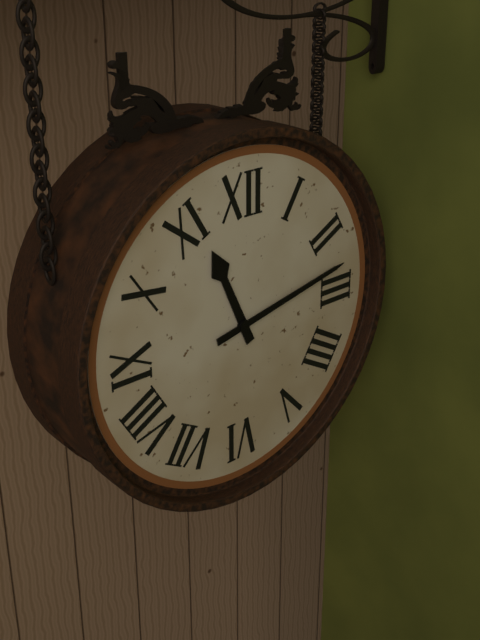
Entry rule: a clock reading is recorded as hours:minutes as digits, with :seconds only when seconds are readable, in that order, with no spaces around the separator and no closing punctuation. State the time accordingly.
11:13
